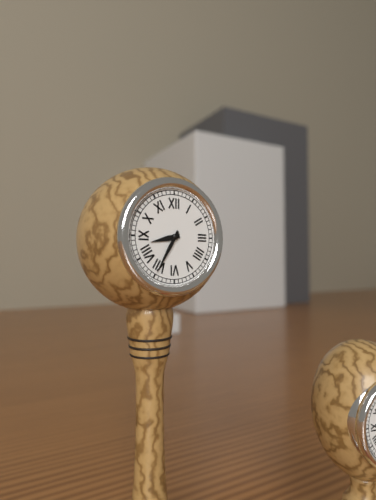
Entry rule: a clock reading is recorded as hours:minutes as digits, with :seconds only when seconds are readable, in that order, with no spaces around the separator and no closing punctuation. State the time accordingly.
8:35
